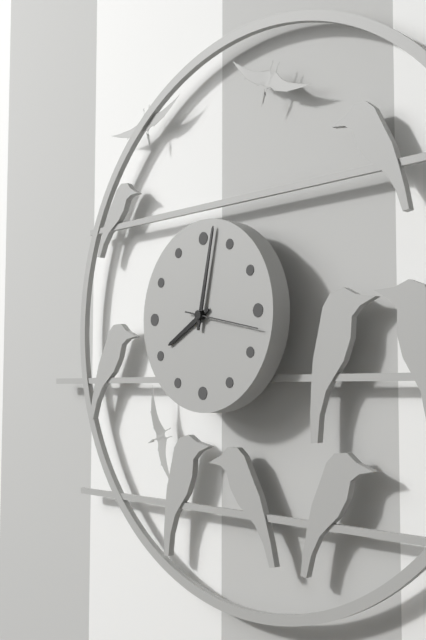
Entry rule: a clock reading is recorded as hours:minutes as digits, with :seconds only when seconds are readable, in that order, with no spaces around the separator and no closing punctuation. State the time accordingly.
8:02
